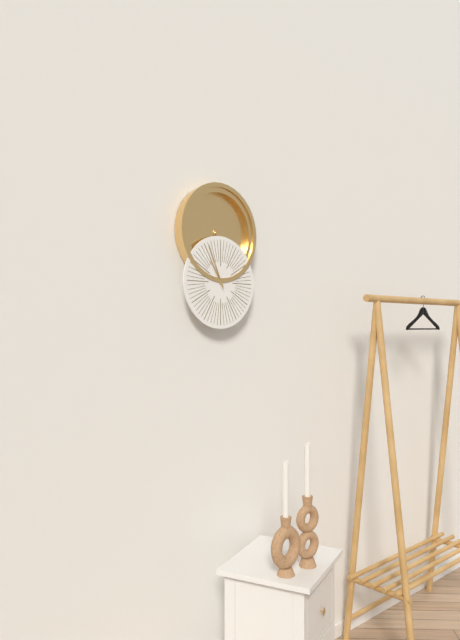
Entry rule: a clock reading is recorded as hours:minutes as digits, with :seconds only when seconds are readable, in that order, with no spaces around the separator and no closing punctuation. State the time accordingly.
10:56
